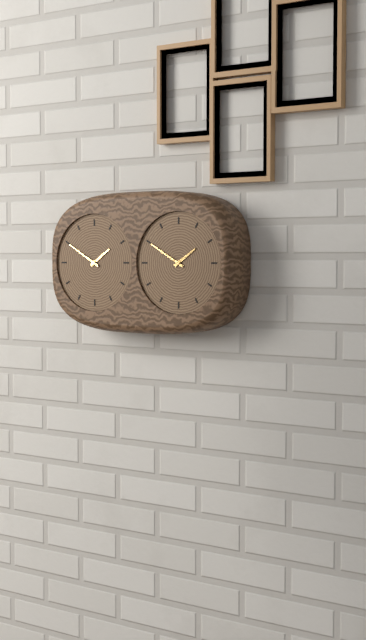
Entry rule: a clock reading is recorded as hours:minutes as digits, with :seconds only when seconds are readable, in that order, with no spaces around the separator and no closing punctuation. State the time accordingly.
1:50
